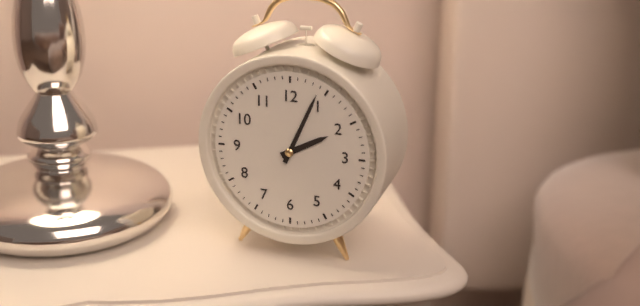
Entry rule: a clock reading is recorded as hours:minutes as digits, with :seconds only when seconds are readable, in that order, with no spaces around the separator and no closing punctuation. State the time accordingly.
2:04
